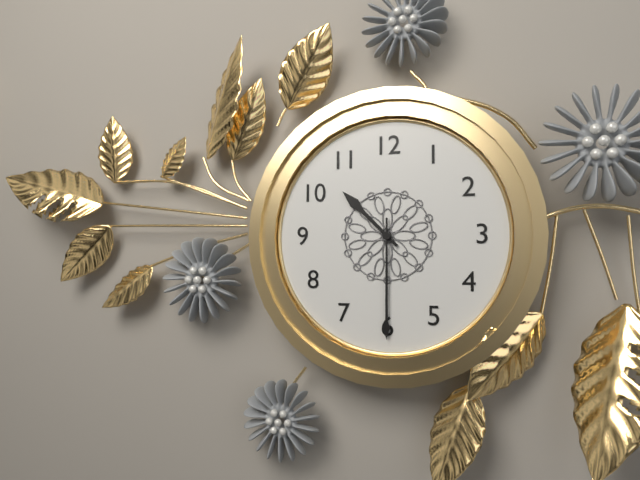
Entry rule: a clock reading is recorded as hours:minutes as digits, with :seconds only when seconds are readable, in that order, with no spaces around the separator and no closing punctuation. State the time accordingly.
10:30
